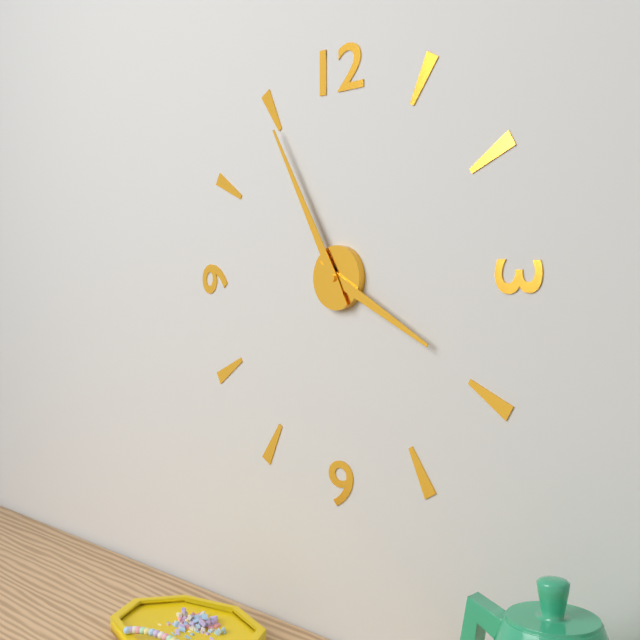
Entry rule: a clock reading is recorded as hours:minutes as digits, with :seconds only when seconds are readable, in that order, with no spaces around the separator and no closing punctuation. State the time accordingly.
3:55
